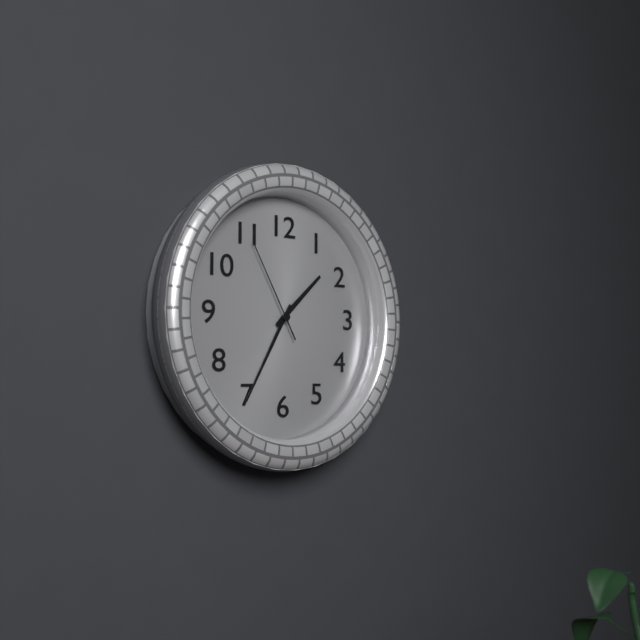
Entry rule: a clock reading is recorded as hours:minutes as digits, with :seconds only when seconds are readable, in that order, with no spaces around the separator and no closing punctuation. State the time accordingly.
1:35:55
